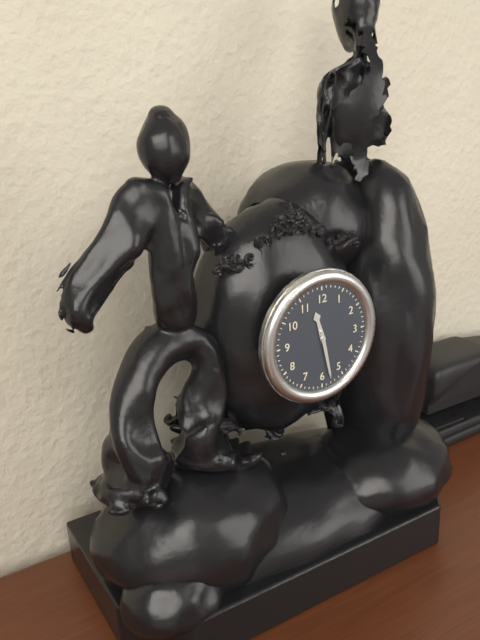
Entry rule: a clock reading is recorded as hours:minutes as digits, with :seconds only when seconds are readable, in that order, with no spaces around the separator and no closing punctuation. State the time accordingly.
11:28
